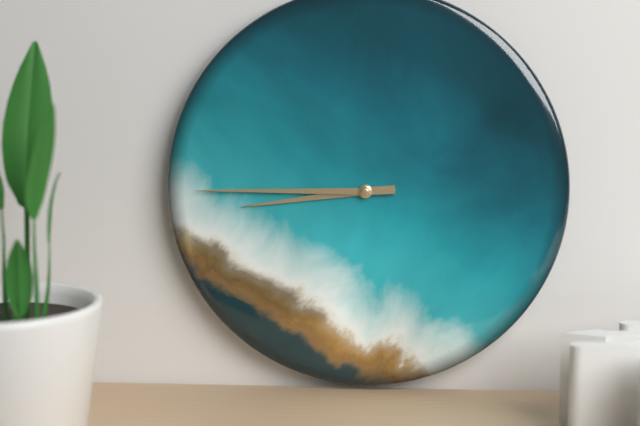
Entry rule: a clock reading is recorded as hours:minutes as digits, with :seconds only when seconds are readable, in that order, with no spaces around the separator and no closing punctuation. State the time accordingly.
8:45
